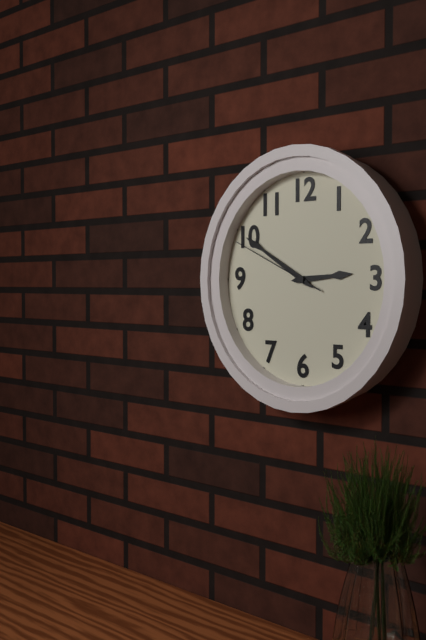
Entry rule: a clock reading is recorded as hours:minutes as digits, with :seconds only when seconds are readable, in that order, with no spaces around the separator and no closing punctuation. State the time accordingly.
2:50:49
